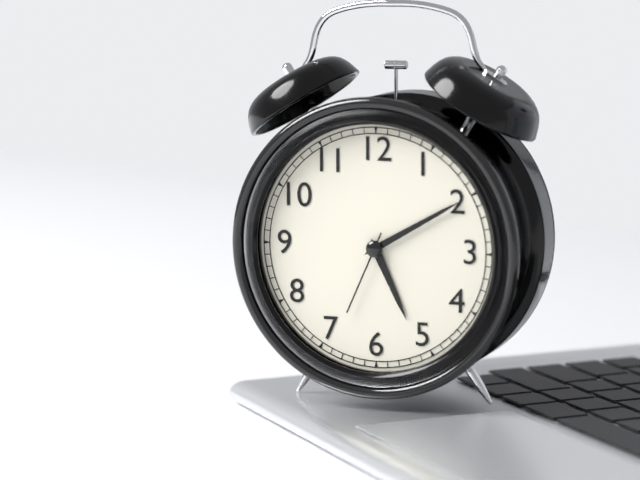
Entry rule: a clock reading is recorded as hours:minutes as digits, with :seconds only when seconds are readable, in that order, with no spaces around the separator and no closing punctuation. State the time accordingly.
5:10:34
